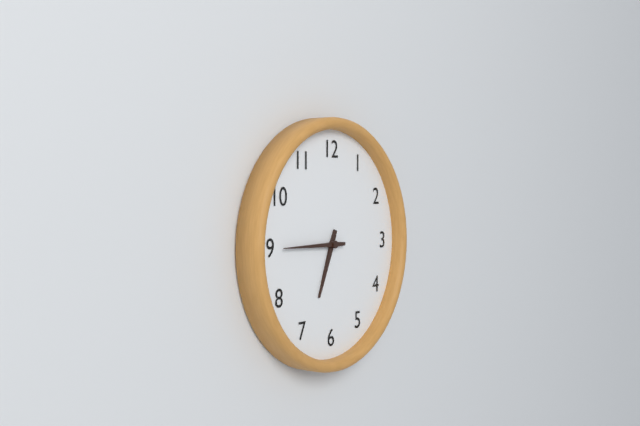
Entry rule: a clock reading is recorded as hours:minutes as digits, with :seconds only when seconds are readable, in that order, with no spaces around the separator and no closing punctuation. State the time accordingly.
6:45
